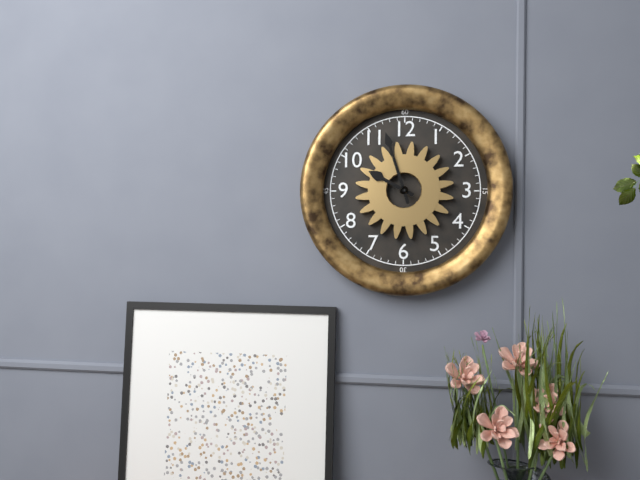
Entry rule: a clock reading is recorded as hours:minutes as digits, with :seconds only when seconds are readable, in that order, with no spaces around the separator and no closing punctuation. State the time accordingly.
9:57
